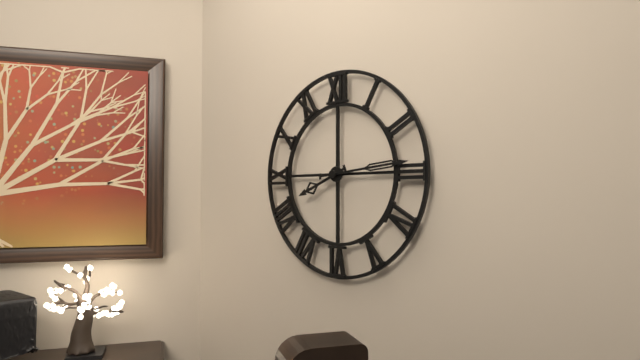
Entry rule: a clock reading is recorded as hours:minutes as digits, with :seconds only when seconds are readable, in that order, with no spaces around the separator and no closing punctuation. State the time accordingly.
8:14
